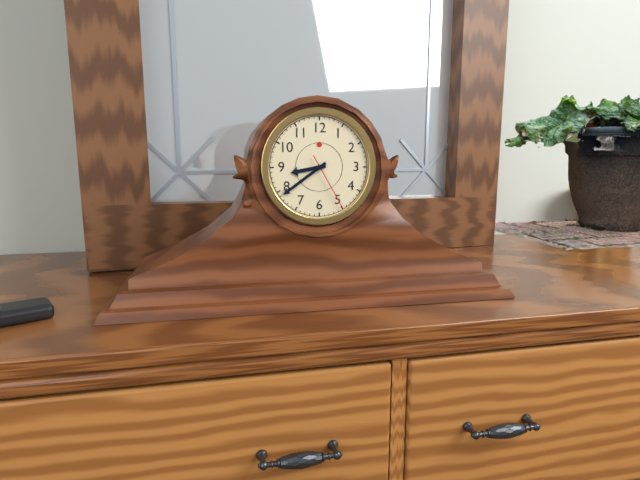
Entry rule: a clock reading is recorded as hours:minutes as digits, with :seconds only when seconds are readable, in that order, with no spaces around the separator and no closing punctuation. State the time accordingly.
8:39:25
